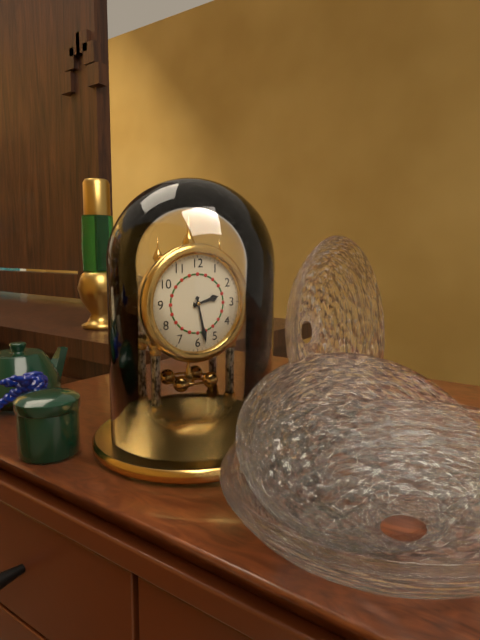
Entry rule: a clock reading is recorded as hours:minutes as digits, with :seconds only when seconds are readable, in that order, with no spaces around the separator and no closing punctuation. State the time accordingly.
2:28
